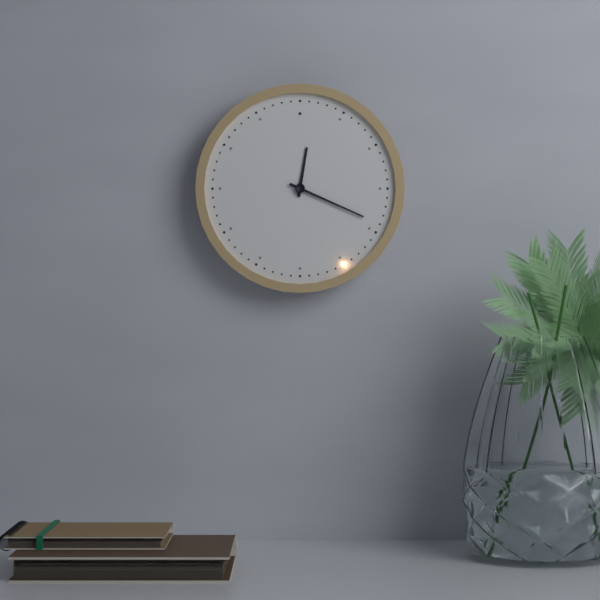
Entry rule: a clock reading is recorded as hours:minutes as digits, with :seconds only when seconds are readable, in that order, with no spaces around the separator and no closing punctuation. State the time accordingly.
12:19
